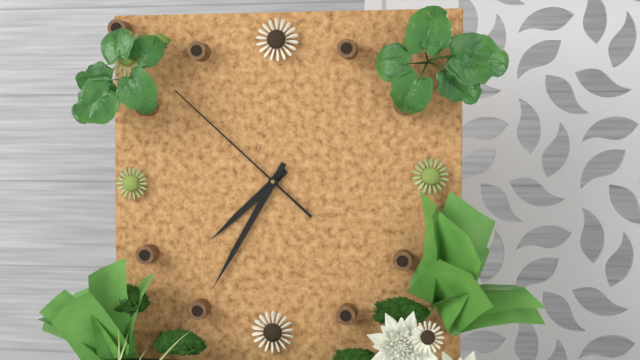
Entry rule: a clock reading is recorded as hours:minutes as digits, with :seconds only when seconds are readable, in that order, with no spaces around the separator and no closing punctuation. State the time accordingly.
7:35:52
